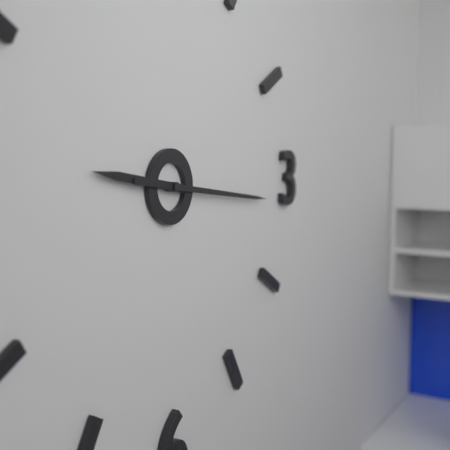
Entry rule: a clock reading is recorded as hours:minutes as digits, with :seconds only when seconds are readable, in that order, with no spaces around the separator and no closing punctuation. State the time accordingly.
9:16
